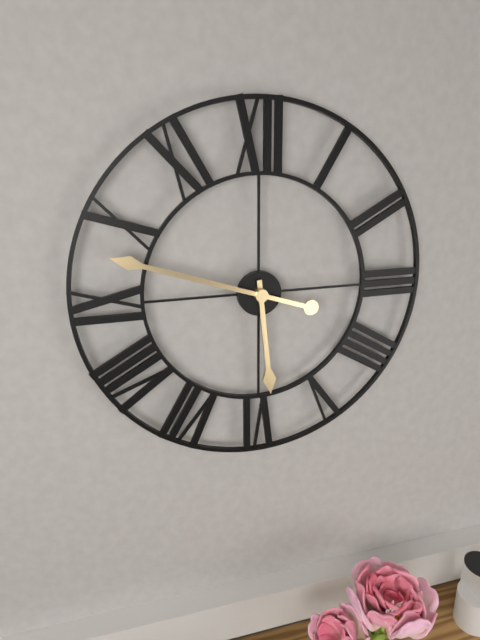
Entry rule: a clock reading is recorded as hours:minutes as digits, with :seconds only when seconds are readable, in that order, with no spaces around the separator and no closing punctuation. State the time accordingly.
5:48
